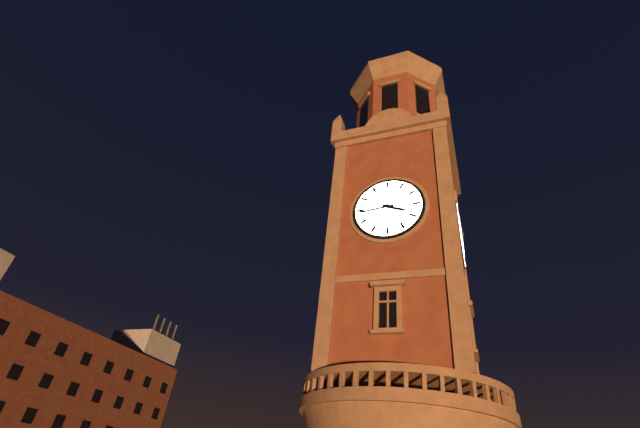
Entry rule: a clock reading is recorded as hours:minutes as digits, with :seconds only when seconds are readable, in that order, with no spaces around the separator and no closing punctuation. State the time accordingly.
3:44
